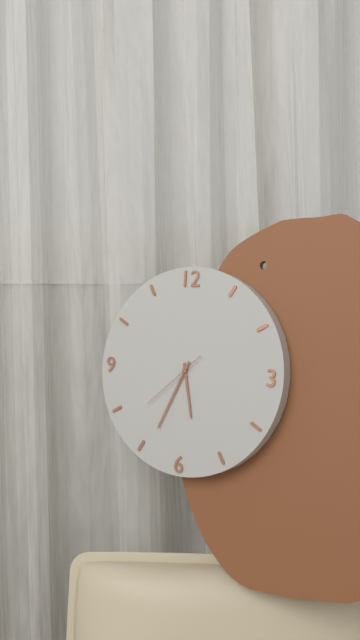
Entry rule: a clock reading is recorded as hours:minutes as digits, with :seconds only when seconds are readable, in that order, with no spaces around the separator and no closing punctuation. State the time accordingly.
5:34:38
